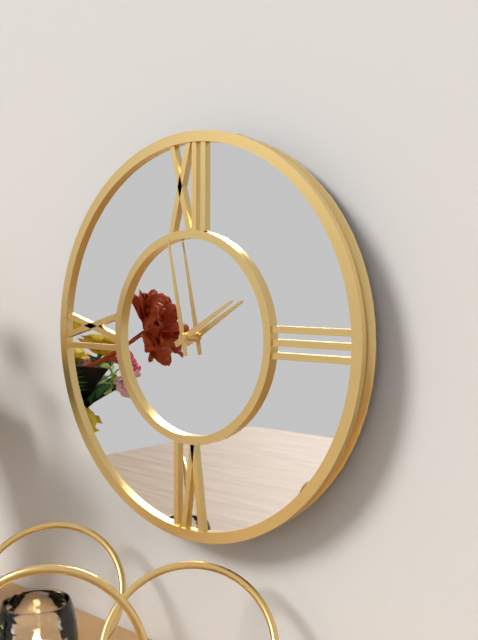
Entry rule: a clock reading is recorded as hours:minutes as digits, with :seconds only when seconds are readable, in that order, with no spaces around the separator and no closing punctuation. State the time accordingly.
1:58
